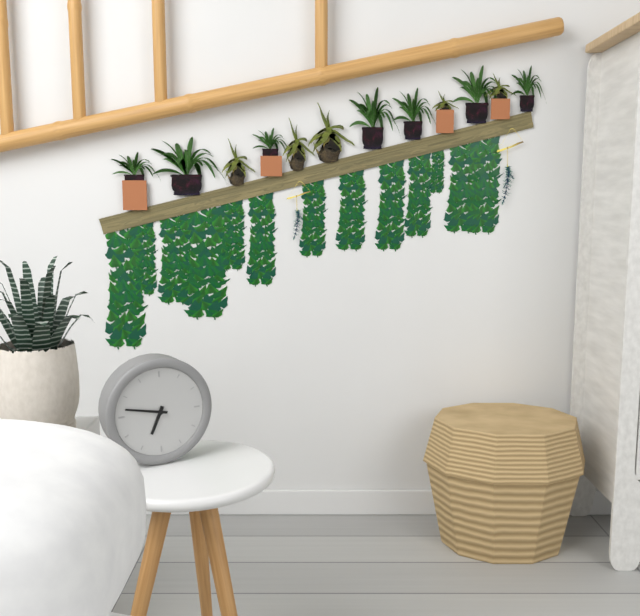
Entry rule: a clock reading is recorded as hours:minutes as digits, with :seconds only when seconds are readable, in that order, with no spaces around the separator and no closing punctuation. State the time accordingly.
6:47
